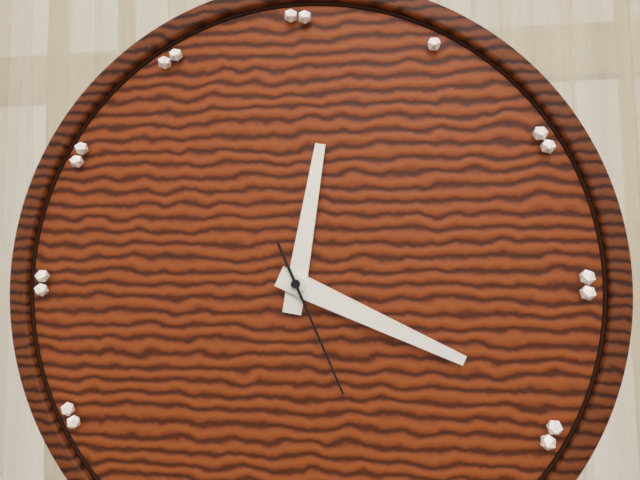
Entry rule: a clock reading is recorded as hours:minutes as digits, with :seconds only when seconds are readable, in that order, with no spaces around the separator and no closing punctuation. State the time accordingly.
12:19:26
